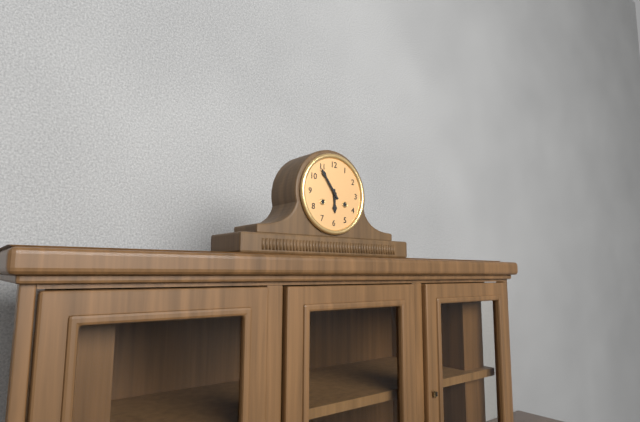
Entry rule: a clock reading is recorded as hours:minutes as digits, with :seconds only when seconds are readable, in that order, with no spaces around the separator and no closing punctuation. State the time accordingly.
5:54
